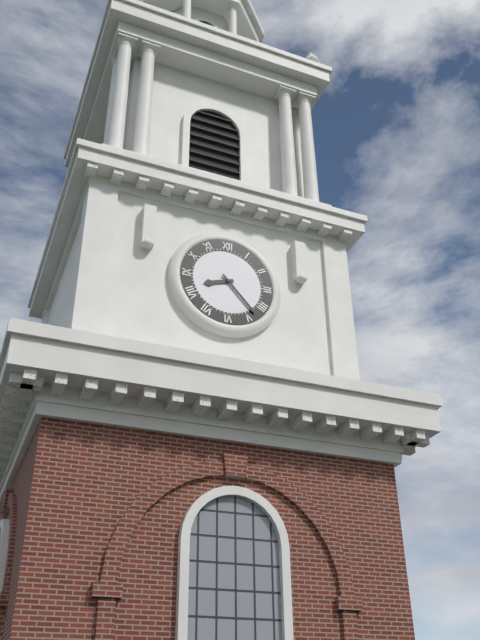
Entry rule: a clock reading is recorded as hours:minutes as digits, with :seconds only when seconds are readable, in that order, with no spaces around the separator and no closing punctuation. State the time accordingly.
8:23
